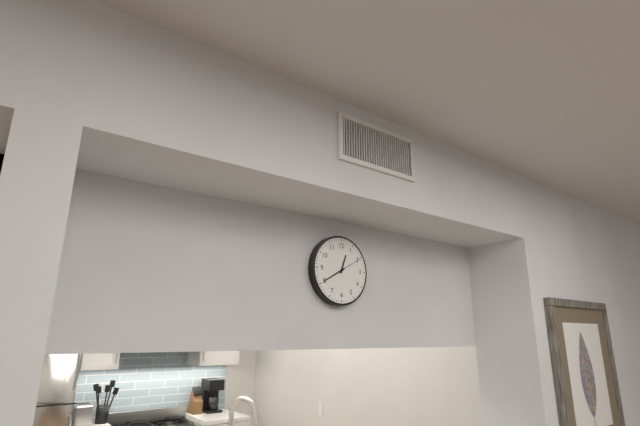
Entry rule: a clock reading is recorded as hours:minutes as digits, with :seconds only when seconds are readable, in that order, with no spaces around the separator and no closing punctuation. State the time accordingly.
12:40
